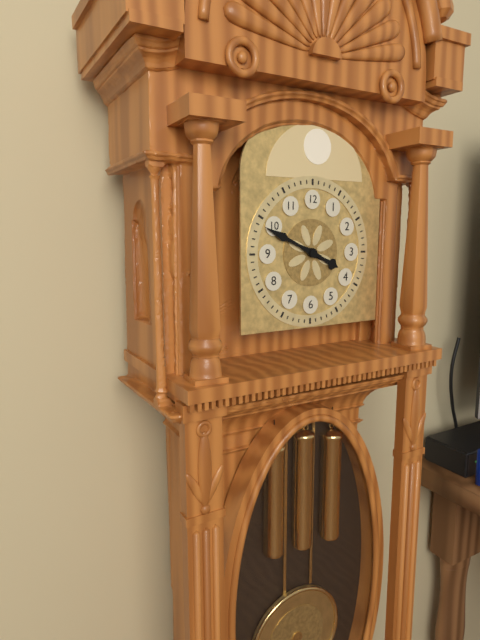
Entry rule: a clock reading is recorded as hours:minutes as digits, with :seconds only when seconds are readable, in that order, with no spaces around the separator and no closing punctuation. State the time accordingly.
3:49
